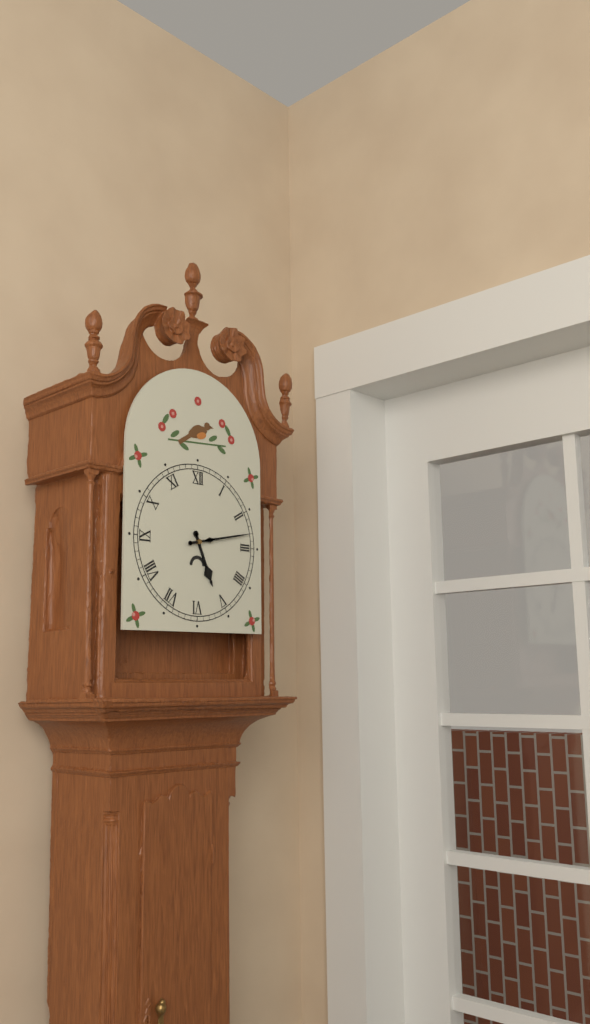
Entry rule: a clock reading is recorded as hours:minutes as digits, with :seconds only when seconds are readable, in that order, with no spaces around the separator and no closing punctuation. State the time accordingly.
5:13
